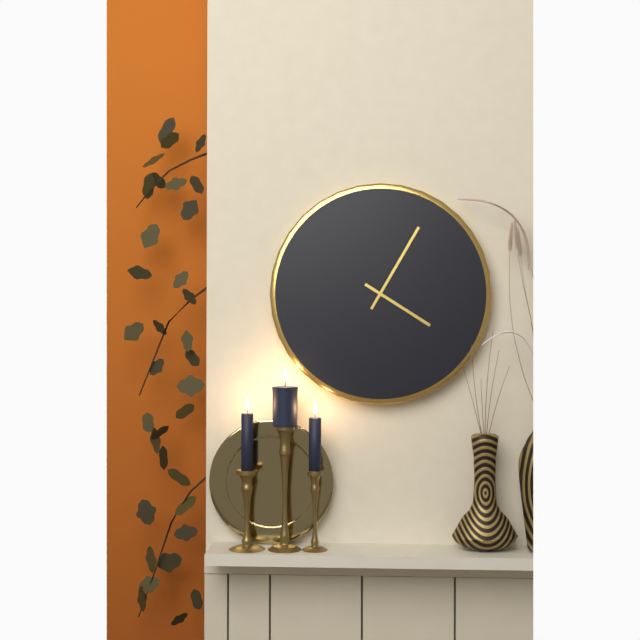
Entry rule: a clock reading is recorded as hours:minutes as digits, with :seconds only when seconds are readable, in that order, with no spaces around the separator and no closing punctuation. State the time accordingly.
4:05
